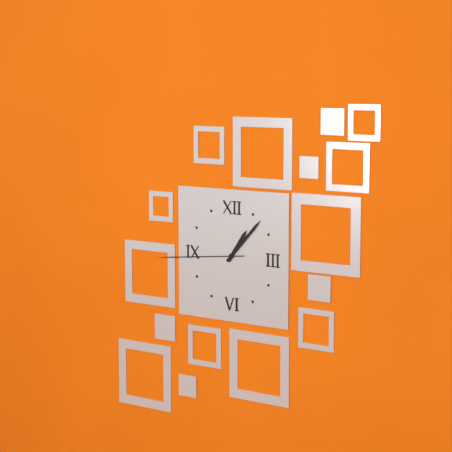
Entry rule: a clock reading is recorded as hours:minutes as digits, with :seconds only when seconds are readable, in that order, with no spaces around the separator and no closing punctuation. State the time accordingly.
1:07:44
